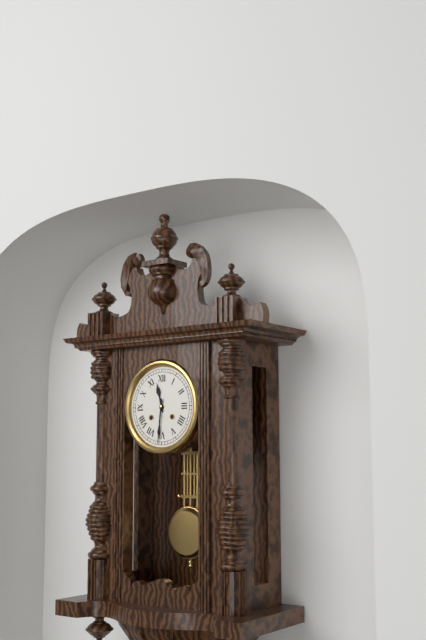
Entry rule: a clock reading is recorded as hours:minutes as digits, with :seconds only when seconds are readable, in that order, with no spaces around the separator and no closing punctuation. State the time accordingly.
11:31
